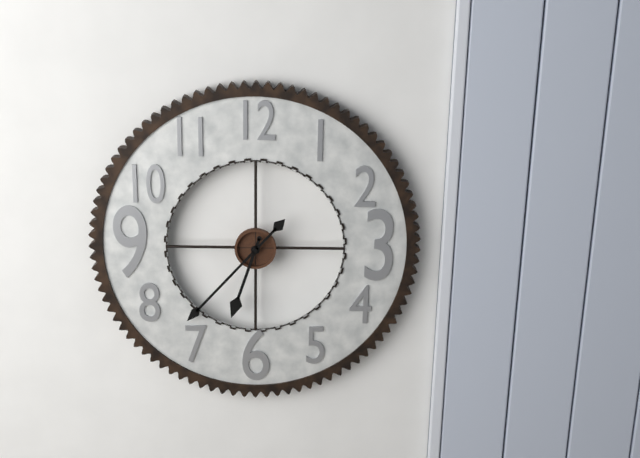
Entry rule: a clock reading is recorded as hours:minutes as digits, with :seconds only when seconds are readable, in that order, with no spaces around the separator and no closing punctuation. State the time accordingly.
6:37
